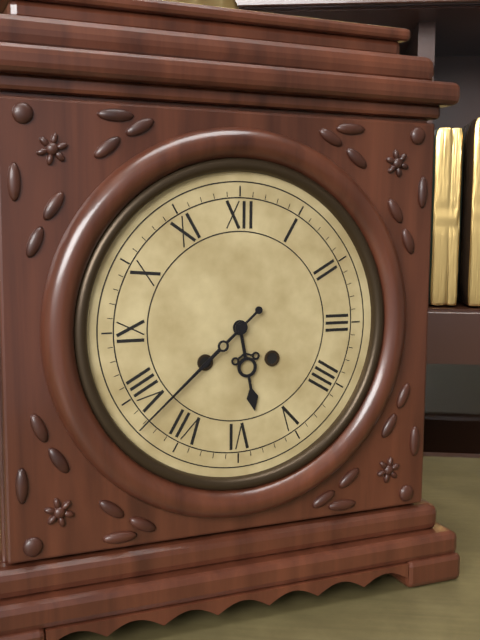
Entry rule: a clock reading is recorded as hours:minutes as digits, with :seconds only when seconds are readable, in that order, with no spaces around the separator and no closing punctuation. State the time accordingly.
5:38
